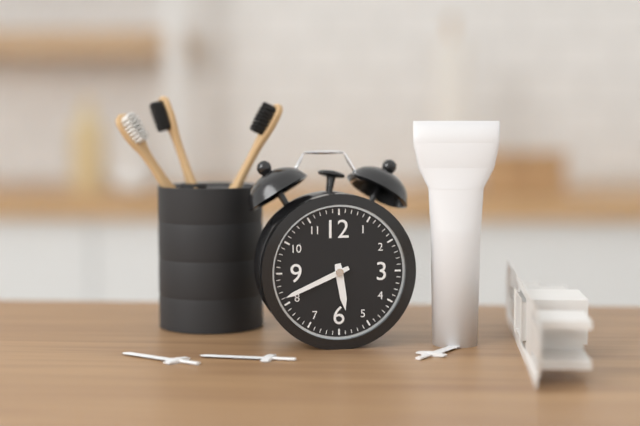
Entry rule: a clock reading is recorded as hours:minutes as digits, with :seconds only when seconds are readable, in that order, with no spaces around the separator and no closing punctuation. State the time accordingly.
5:41
